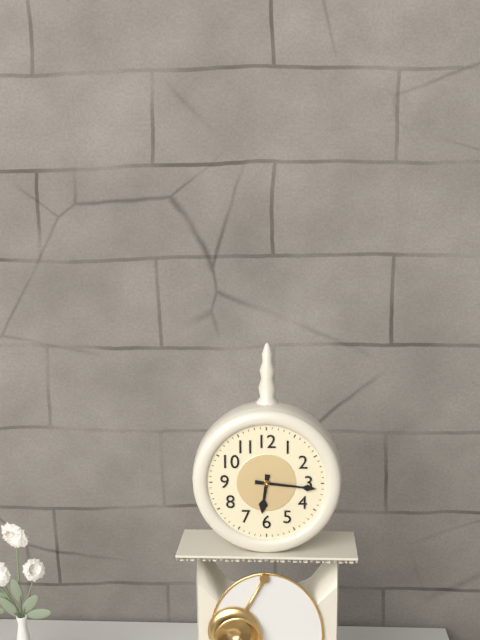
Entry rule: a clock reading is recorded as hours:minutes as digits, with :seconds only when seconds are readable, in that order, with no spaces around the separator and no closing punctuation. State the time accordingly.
6:16
